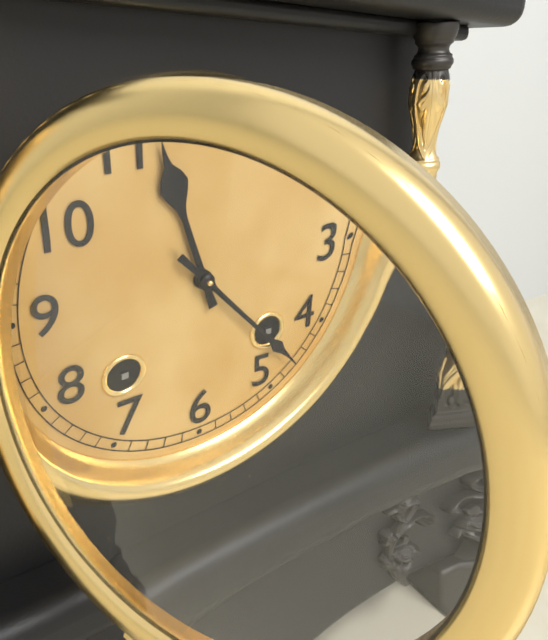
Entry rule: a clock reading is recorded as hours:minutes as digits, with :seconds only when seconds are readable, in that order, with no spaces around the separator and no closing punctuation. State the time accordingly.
11:23
